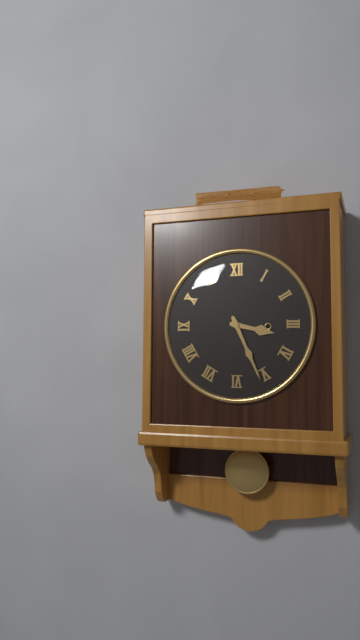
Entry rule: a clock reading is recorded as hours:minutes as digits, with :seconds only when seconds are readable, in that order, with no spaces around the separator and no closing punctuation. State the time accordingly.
3:26
